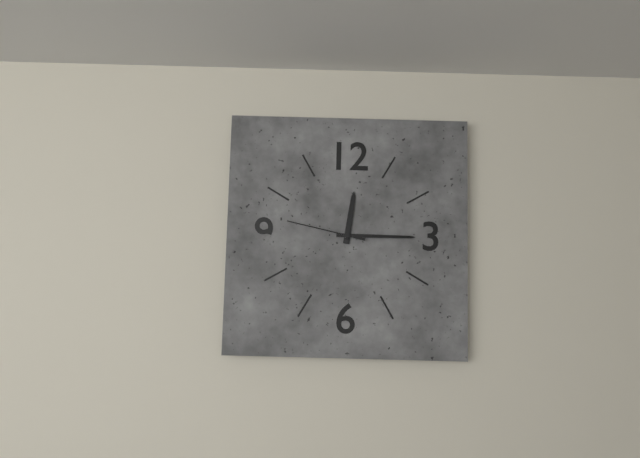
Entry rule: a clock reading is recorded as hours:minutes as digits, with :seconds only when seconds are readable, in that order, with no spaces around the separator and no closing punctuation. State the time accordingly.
12:15:47
